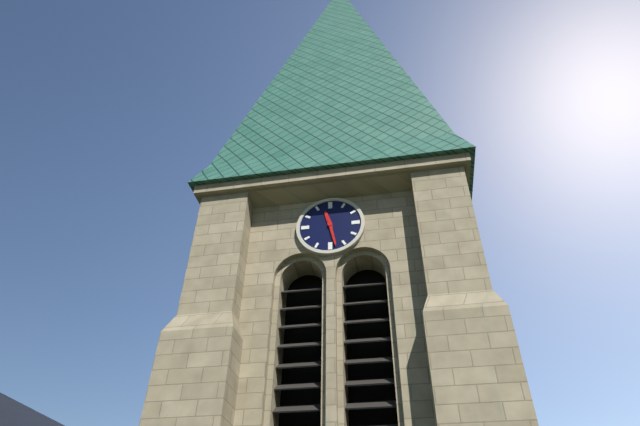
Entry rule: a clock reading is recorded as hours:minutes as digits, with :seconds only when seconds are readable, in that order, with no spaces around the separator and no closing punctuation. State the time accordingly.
11:28
